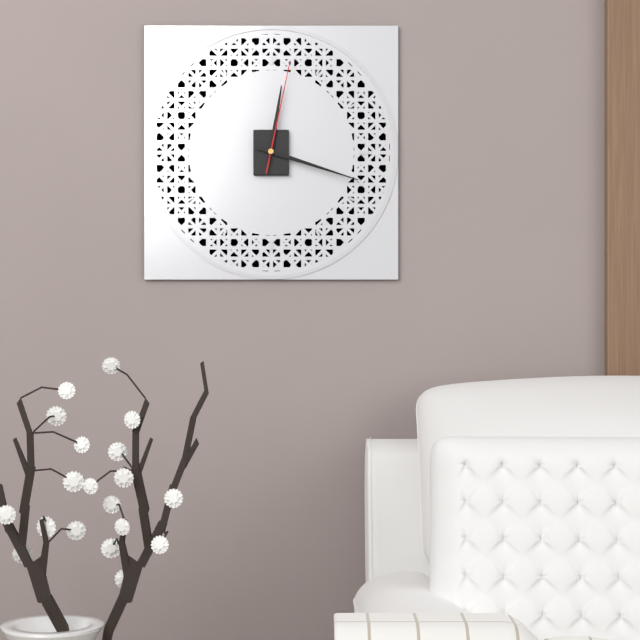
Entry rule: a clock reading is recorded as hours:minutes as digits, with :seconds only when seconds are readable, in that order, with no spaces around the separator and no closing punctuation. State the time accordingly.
12:18:02
